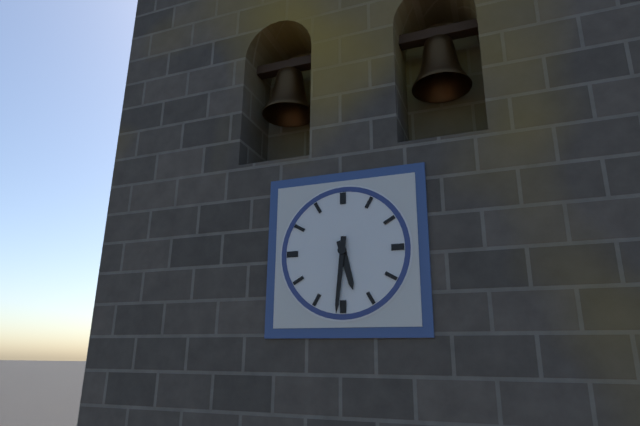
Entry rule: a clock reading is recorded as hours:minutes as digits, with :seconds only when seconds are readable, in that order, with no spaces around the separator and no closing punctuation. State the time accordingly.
5:31
